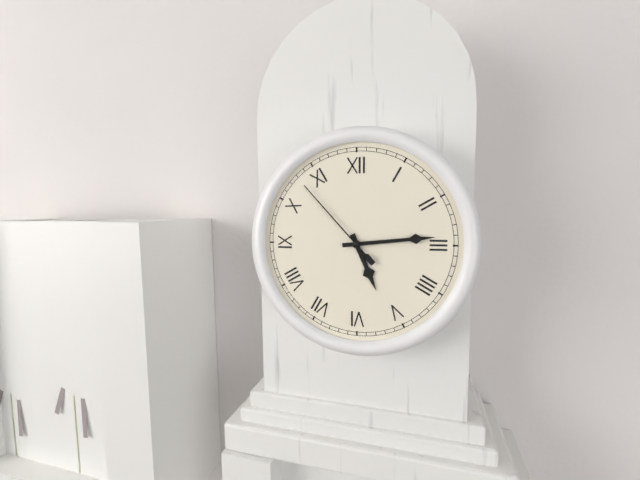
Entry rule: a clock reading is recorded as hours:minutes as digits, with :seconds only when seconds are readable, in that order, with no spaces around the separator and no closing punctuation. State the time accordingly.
5:14:53
